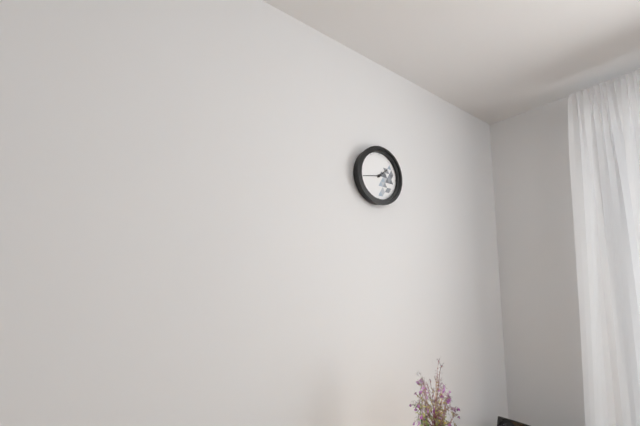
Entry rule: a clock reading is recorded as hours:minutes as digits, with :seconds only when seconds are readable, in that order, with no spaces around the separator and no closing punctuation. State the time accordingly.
1:43
